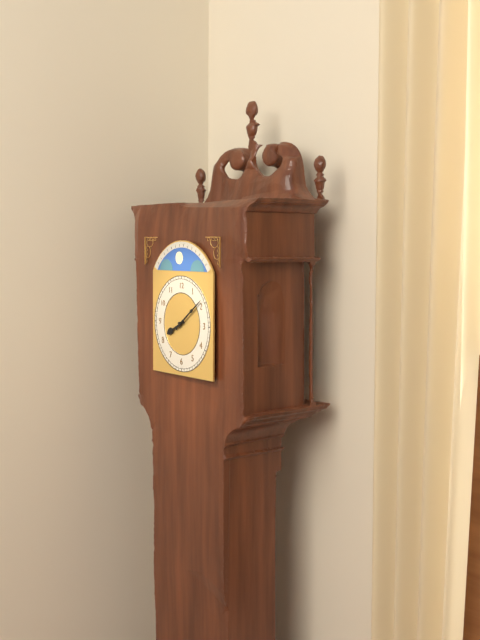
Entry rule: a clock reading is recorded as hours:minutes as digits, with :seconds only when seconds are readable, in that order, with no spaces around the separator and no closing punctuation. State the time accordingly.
8:09
